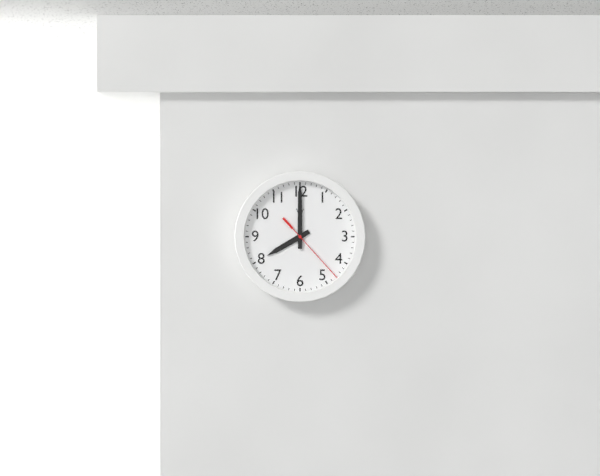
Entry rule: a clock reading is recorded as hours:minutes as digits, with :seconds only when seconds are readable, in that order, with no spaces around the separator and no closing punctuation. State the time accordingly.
8:00:23
